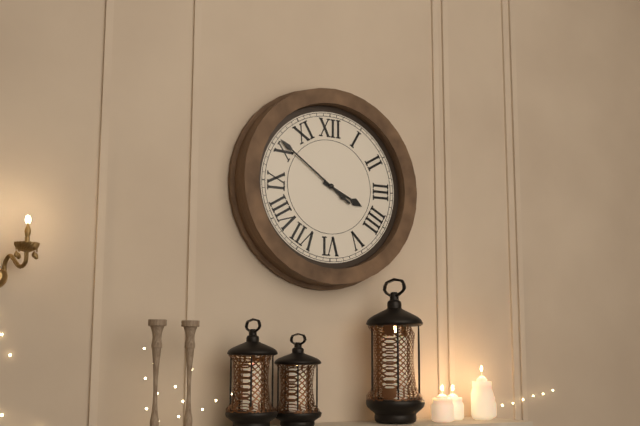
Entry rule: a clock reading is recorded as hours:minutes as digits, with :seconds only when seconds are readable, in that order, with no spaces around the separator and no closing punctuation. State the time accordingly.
3:51
